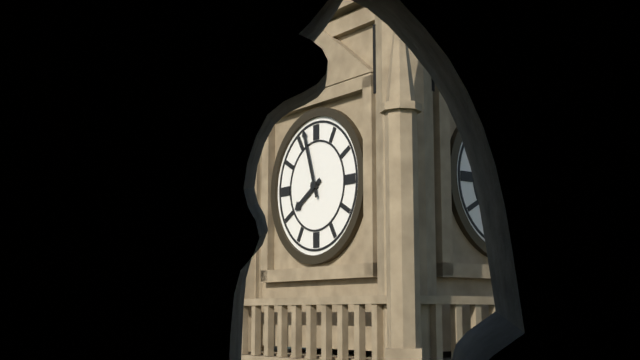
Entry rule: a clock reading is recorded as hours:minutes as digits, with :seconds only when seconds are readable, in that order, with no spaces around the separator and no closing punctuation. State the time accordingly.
7:57
